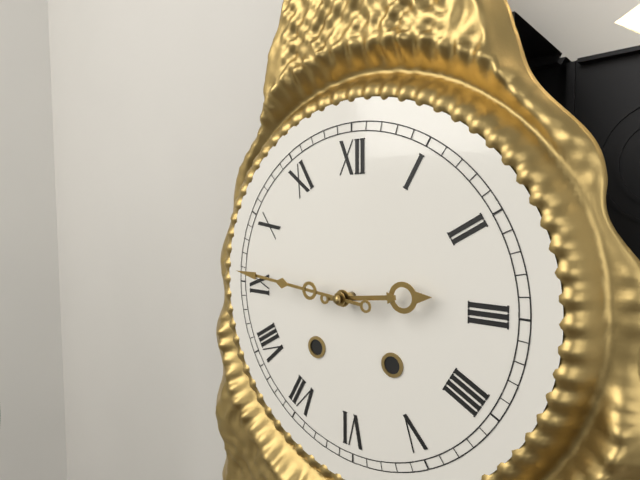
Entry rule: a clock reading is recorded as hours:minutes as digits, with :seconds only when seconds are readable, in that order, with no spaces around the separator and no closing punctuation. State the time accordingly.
2:46
